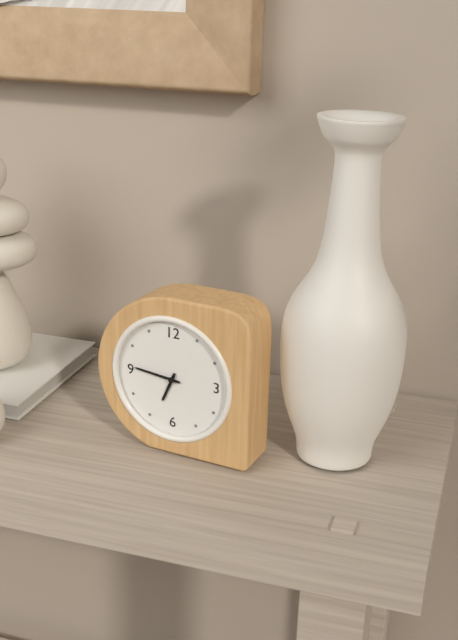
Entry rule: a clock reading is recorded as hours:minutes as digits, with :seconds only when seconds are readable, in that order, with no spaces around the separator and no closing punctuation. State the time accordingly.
6:46
